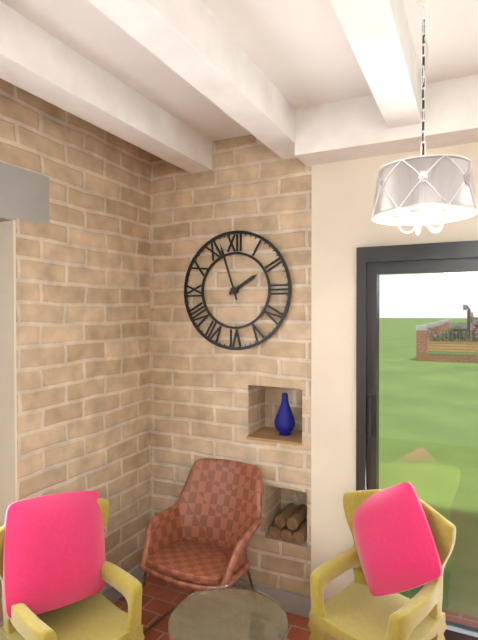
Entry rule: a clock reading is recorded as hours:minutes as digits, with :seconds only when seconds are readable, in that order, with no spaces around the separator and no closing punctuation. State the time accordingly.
1:57
